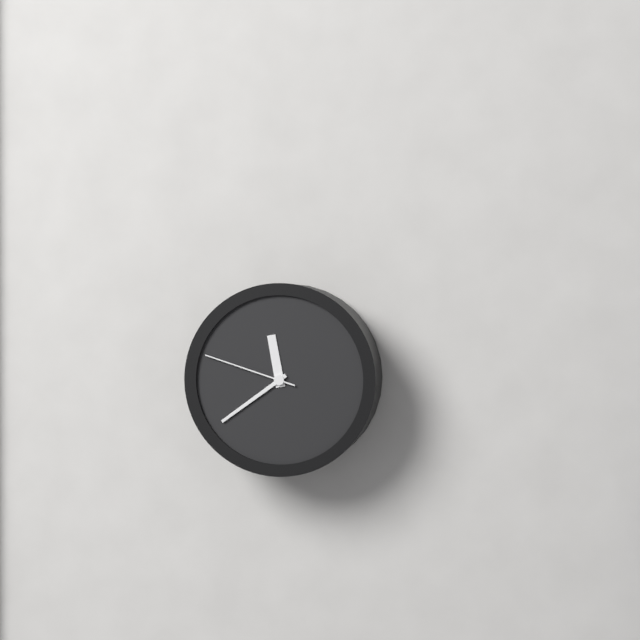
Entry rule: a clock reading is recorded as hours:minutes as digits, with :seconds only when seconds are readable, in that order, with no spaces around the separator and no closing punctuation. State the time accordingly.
11:39:48
